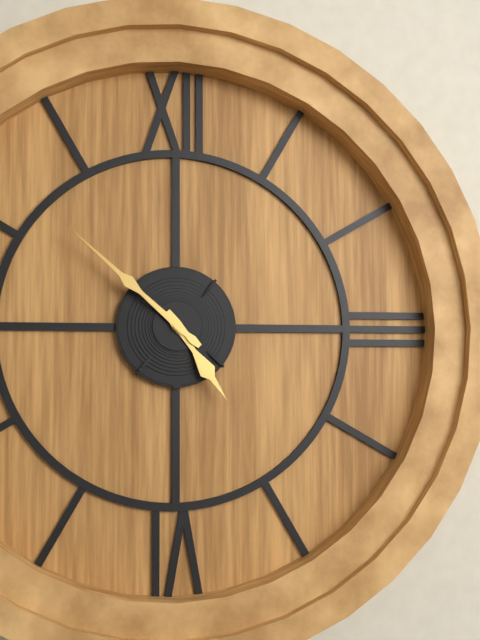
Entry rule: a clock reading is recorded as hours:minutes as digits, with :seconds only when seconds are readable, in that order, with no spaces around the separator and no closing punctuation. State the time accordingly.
4:52
